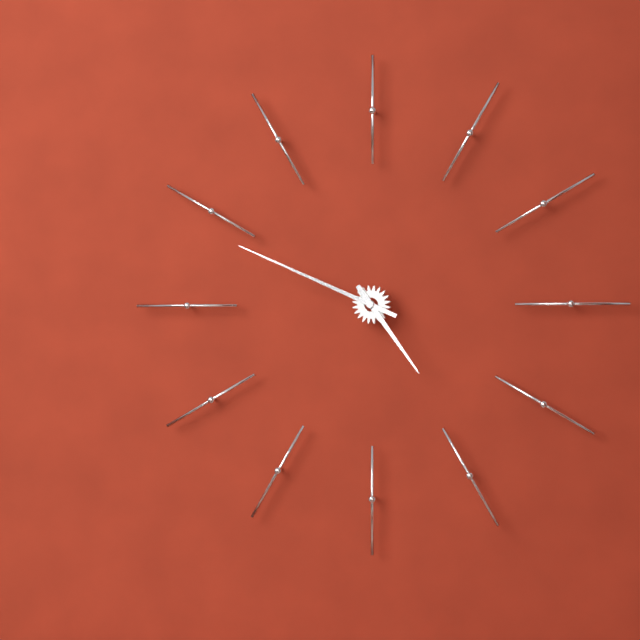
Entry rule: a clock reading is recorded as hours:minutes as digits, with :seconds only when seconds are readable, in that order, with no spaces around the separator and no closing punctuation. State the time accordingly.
4:49
